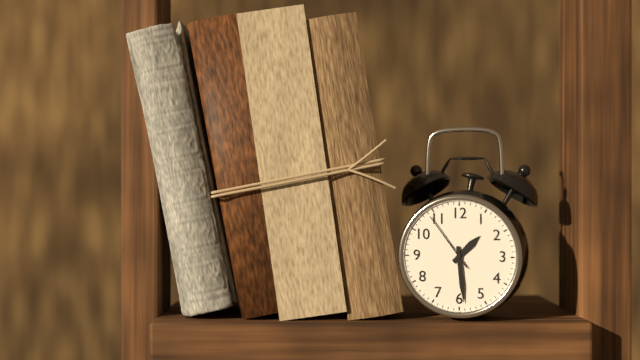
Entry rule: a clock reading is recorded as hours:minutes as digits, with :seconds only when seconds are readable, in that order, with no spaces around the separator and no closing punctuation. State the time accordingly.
1:29:54
